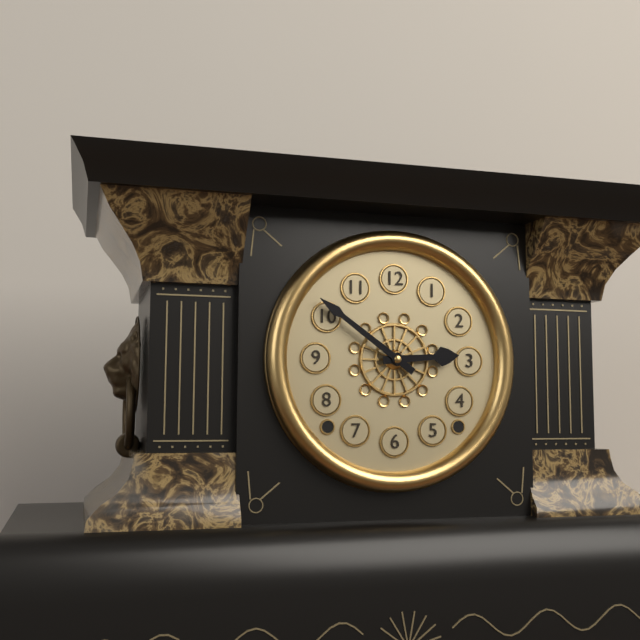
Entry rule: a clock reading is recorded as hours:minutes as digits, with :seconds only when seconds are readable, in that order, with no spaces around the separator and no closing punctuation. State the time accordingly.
2:51
